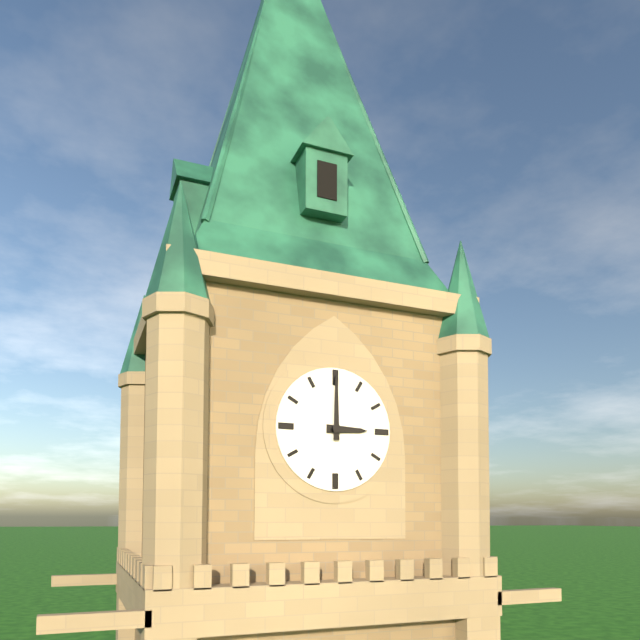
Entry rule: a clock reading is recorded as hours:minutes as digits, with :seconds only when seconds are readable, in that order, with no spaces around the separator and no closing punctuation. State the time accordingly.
3:00
